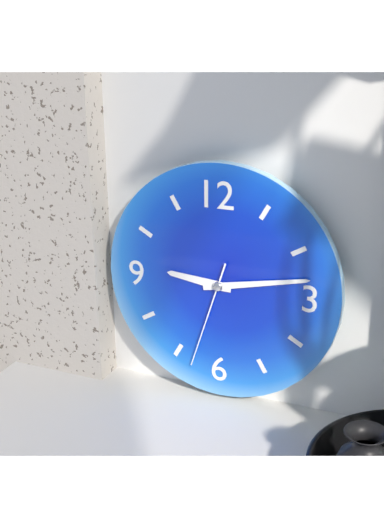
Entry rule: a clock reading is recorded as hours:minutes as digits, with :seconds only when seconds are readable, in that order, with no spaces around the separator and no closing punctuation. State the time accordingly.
9:13:33
